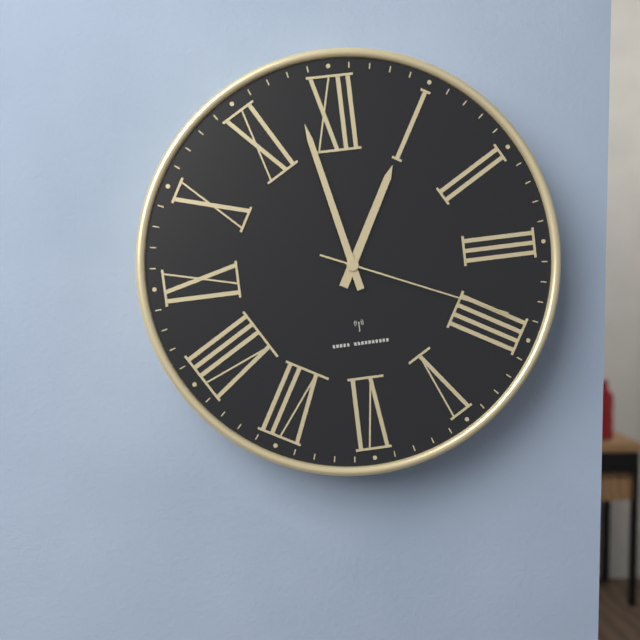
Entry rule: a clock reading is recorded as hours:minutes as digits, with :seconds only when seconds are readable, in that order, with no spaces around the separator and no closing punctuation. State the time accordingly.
12:58:19
